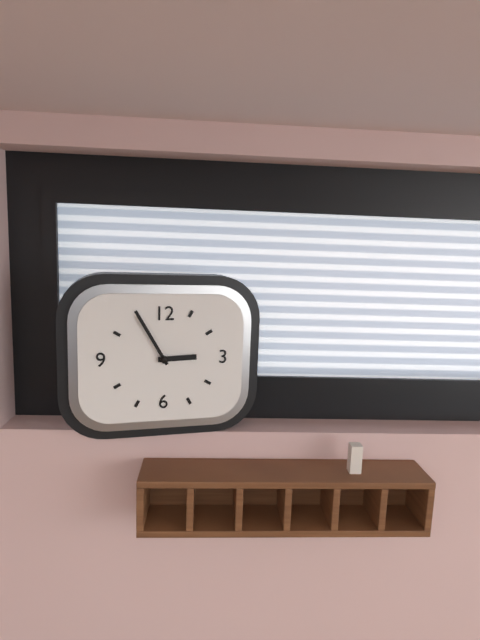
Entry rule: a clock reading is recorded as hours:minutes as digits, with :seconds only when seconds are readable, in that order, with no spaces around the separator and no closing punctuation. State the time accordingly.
2:55
